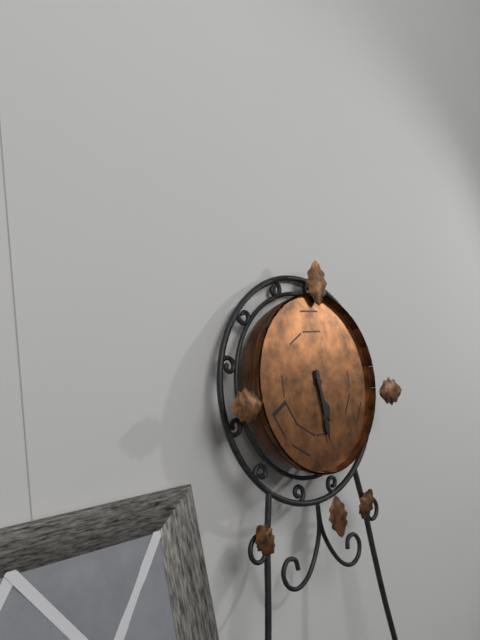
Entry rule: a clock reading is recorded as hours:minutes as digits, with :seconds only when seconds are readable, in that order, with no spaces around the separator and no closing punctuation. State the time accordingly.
5:29
